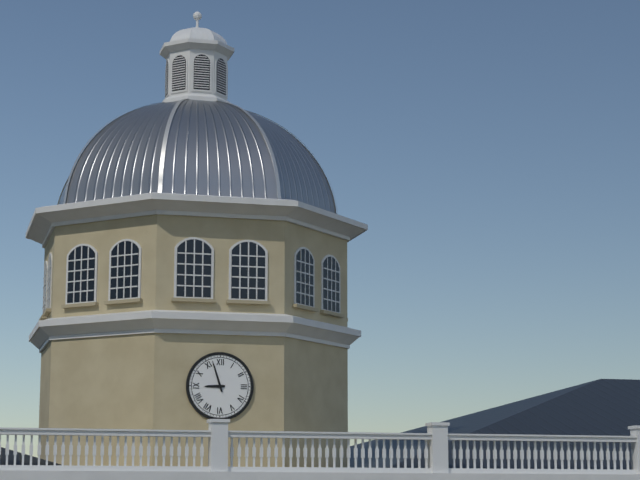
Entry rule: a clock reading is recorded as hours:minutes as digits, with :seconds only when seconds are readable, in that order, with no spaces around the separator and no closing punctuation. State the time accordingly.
8:57
